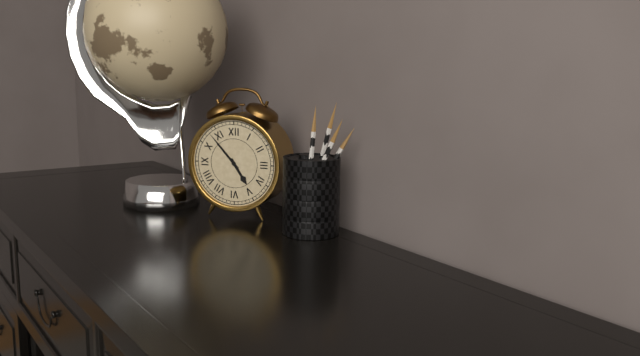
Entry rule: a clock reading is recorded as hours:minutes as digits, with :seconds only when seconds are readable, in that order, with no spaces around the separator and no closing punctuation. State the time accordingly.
4:53
